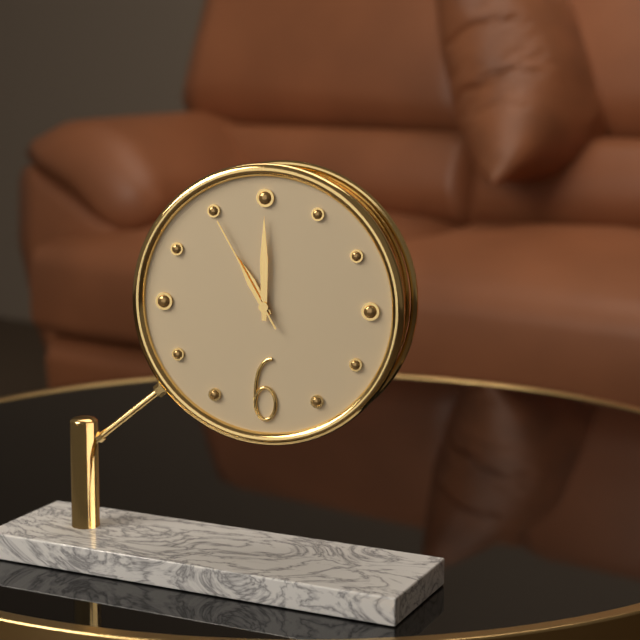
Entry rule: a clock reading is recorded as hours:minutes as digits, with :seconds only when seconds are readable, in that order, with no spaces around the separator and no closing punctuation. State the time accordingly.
11:00:55
